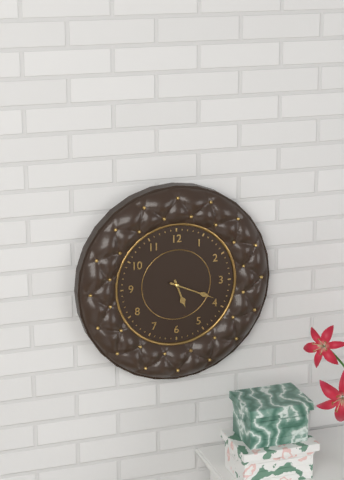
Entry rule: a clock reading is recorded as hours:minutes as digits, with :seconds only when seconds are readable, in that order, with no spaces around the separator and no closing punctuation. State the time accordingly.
5:19
